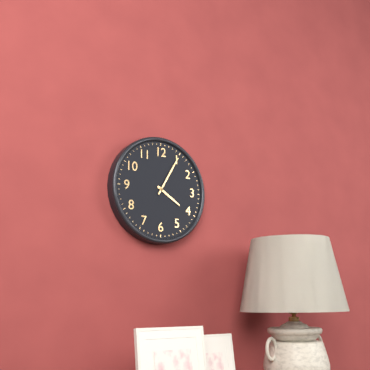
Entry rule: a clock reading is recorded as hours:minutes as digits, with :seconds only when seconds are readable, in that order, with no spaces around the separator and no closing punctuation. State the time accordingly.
4:05
